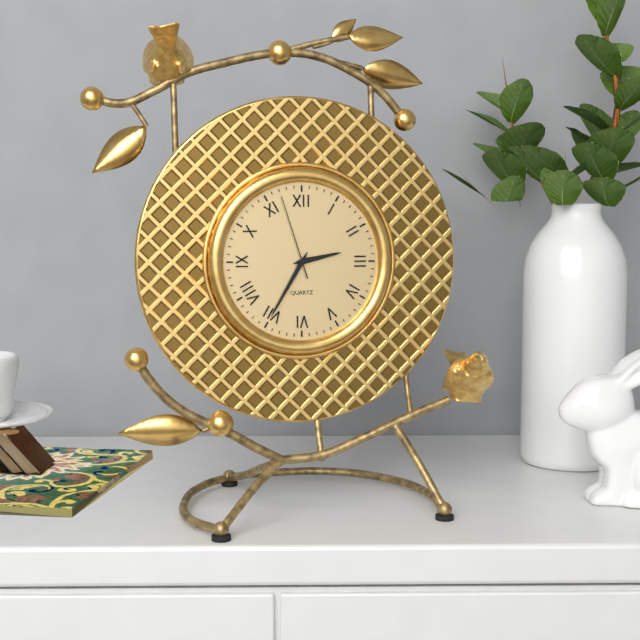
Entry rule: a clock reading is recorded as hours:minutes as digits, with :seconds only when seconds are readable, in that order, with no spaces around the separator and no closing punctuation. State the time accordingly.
2:35:57
